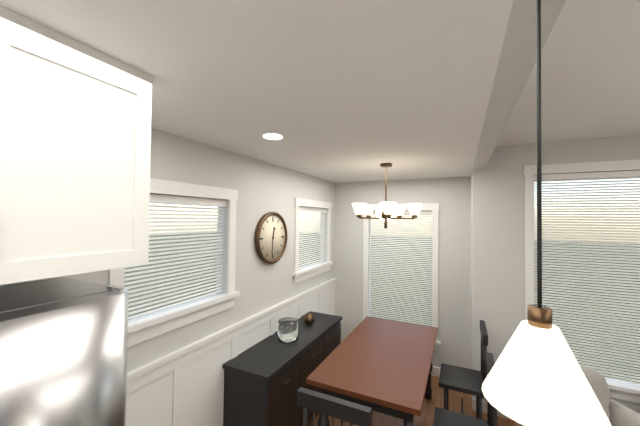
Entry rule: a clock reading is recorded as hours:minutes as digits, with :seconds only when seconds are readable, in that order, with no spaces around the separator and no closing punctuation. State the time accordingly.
12:31
